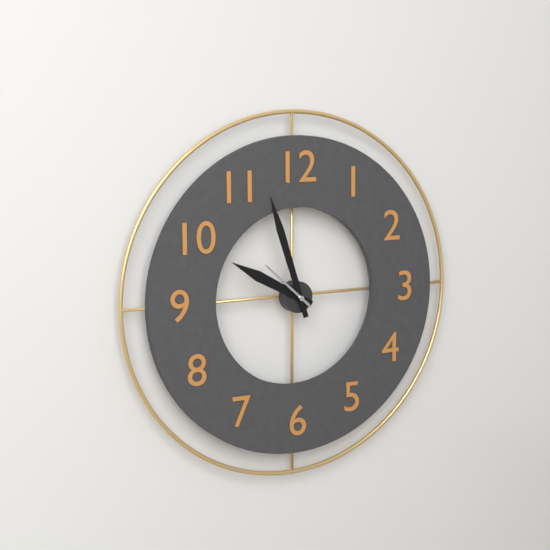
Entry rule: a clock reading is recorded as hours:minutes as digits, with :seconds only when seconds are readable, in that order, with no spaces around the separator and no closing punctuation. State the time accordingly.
9:57:52
